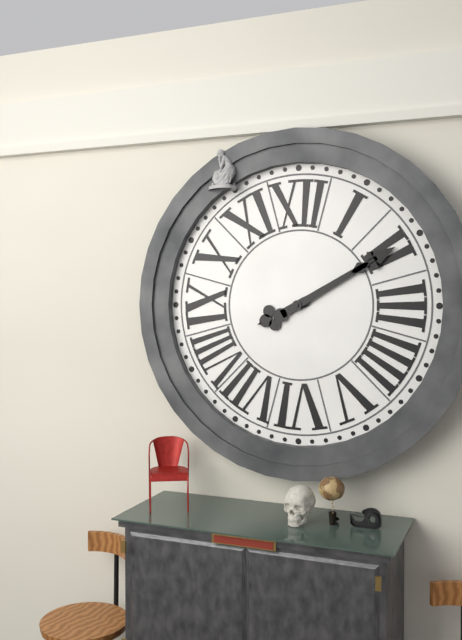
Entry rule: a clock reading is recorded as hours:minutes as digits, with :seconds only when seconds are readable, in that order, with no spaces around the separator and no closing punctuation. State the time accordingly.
8:10
